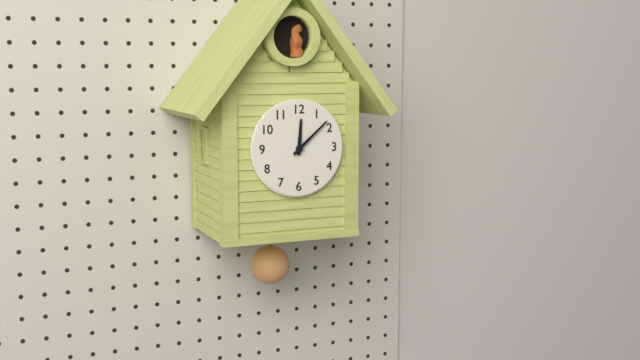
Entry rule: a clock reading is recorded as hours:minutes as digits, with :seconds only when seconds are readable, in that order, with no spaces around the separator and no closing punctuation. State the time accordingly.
12:08
